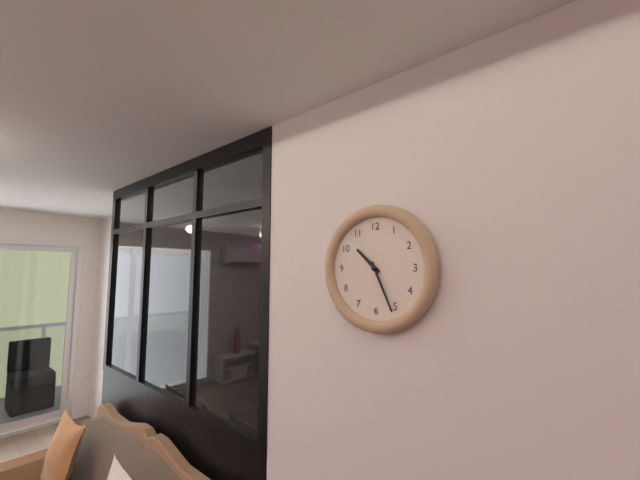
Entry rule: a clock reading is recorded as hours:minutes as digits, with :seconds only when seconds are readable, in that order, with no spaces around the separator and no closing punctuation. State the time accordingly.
10:26
